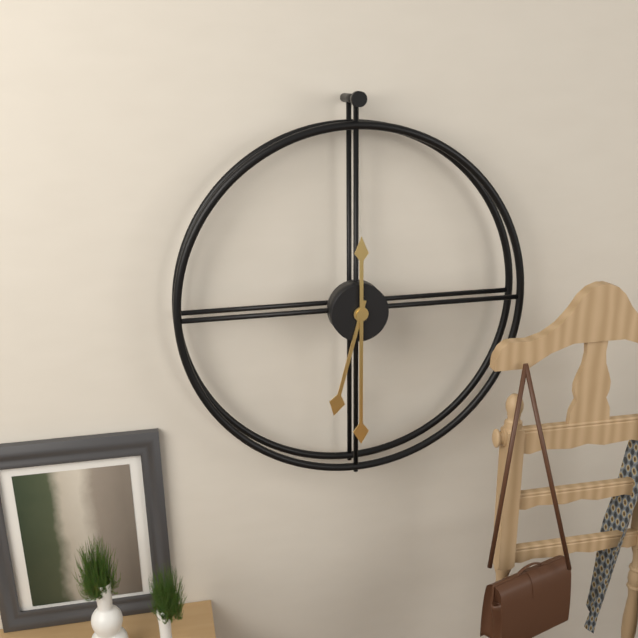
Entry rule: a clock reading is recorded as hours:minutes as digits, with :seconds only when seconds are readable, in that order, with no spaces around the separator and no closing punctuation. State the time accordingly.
6:30
